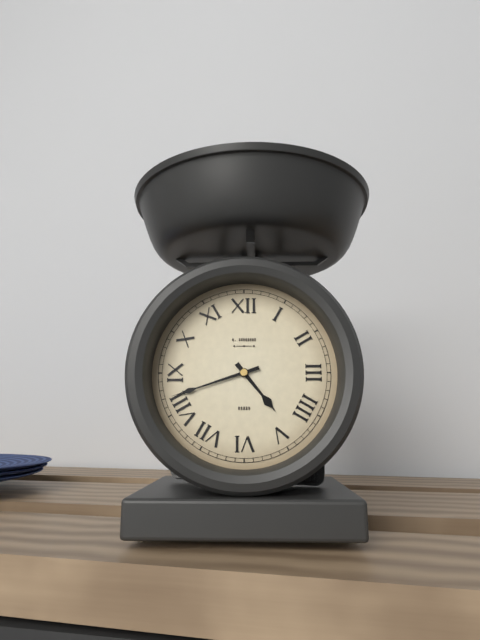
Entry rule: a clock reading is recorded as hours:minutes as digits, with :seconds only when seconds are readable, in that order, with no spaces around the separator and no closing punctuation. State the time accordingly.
4:42
